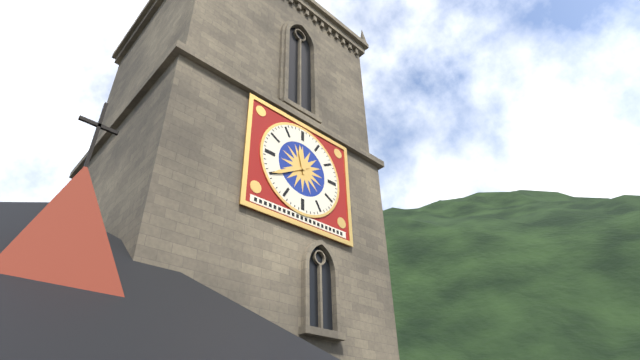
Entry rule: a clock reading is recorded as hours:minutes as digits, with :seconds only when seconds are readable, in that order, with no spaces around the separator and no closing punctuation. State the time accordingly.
11:40
